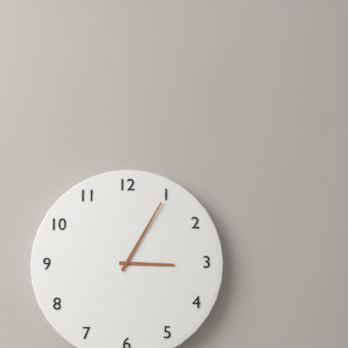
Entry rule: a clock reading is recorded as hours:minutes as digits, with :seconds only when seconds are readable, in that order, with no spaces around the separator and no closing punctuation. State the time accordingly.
3:05
